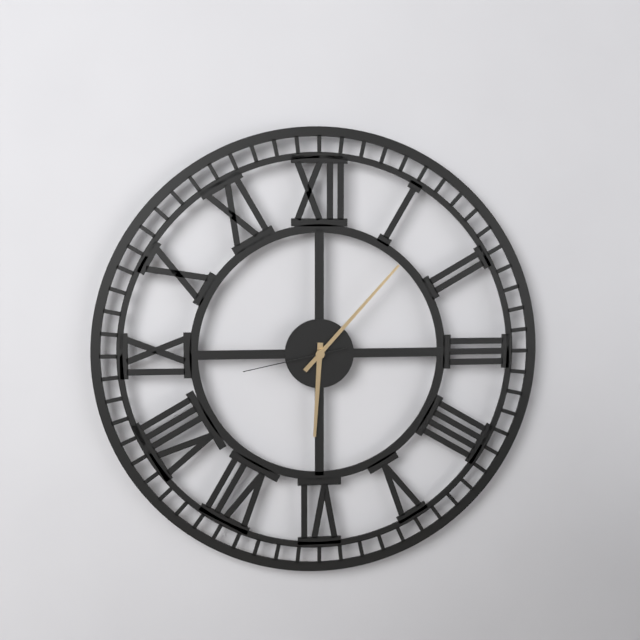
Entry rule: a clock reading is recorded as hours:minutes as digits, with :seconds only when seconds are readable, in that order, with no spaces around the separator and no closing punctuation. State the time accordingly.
6:07:43
